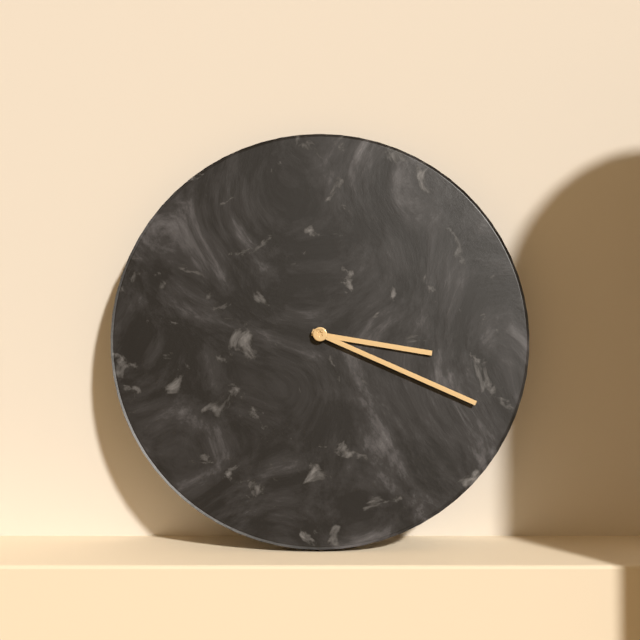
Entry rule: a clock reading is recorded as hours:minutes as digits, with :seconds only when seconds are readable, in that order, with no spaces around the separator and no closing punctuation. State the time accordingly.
3:19
